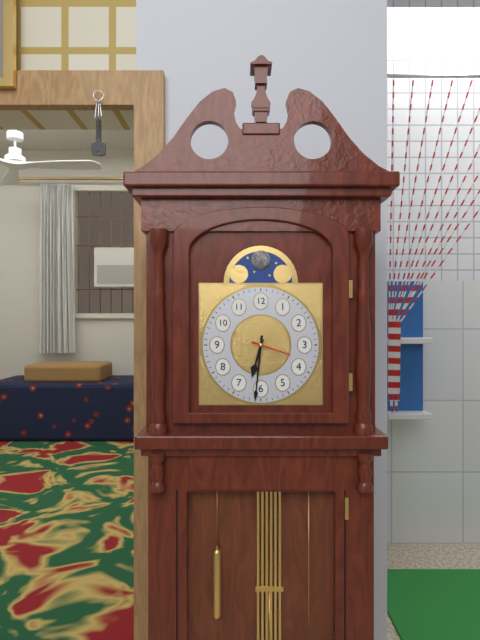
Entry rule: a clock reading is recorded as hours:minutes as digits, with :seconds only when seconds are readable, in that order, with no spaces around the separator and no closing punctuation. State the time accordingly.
6:31
